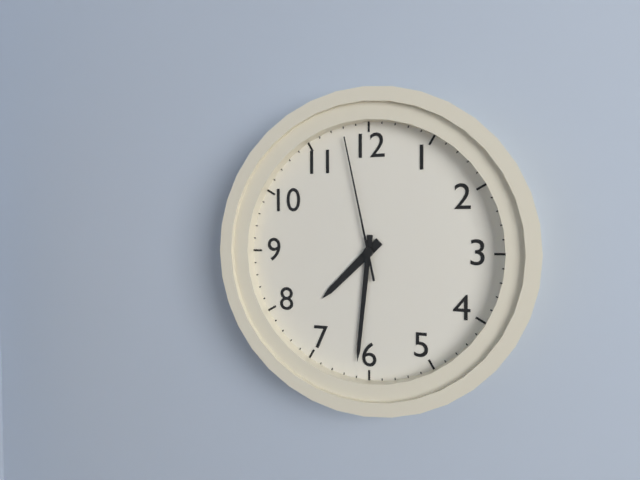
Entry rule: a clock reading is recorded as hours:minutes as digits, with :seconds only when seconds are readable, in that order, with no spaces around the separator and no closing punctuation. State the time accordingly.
7:31:58
